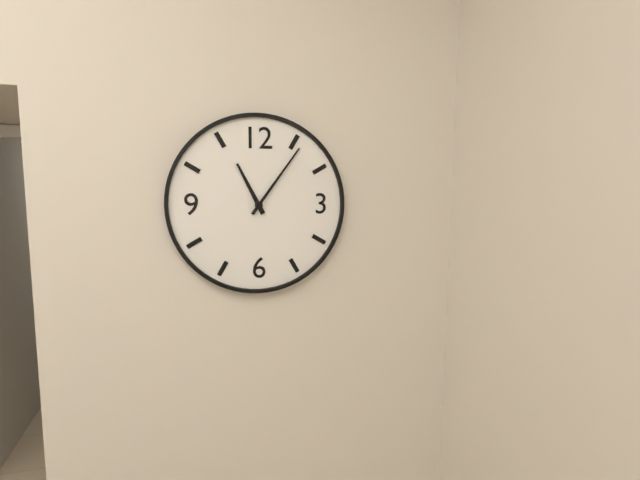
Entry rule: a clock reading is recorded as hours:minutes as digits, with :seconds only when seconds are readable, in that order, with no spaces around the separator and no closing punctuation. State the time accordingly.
11:06
